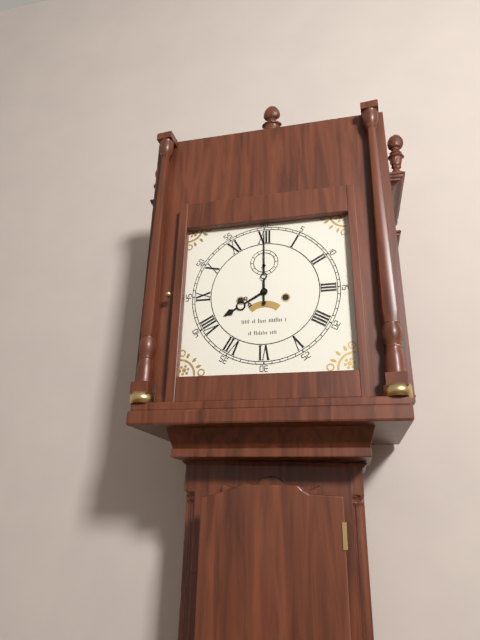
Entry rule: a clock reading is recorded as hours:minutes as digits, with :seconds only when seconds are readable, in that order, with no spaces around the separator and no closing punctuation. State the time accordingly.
8:00
